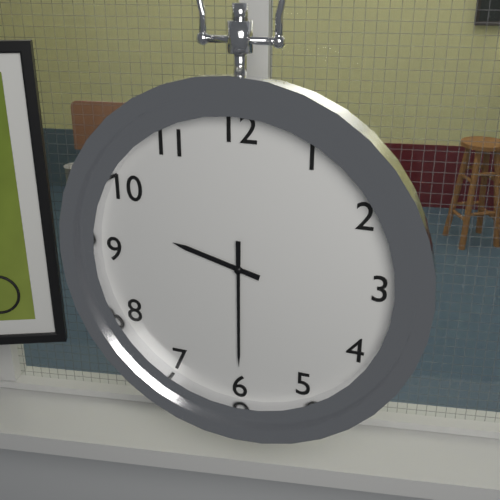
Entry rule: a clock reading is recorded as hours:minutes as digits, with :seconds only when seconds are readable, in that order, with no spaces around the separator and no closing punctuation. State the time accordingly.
9:30
